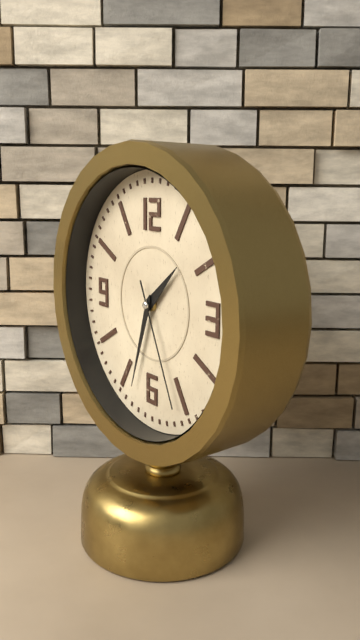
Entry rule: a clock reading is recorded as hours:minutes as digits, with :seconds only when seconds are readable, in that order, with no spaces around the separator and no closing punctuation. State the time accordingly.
1:33:26
